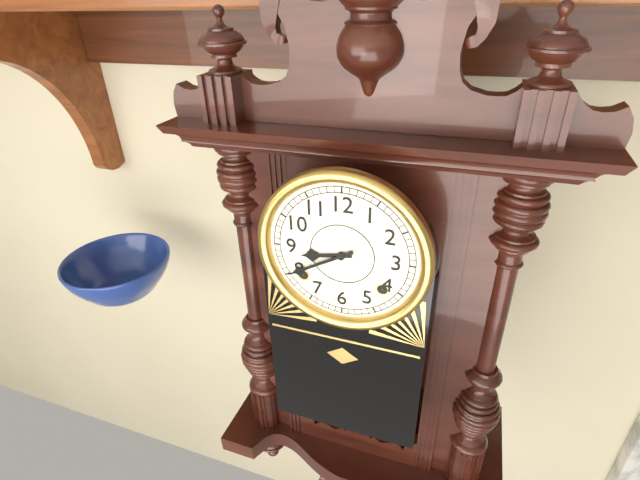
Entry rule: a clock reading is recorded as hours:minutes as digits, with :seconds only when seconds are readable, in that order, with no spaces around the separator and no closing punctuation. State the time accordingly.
8:40
